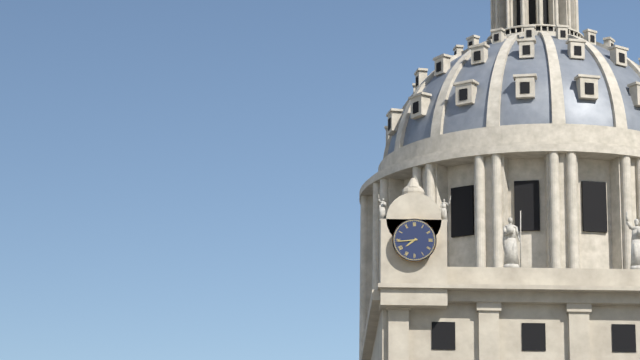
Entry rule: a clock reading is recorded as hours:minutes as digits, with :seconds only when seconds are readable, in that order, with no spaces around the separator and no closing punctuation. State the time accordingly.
7:44
